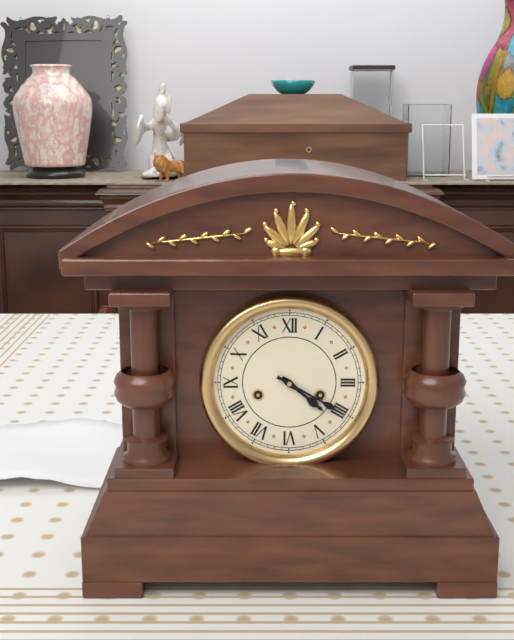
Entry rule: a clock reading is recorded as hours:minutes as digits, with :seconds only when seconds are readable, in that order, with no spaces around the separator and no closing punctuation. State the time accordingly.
4:20
